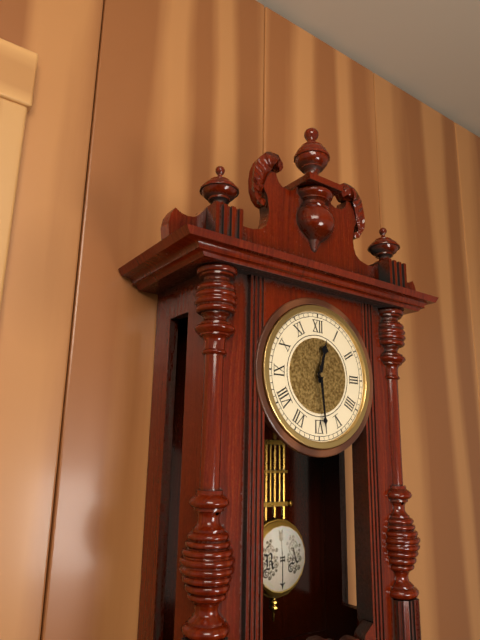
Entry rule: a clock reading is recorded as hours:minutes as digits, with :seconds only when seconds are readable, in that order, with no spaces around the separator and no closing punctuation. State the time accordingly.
12:29
